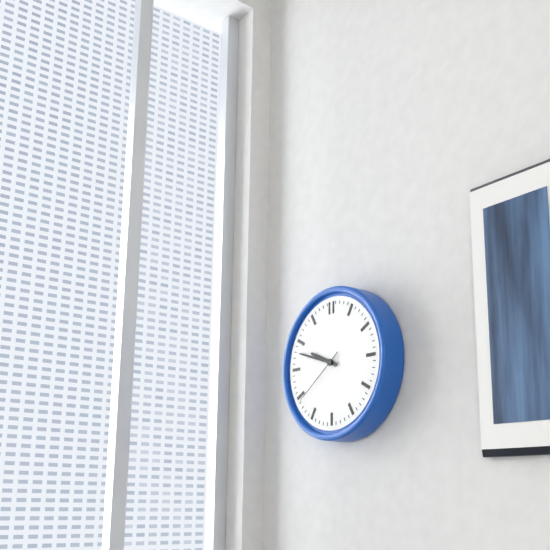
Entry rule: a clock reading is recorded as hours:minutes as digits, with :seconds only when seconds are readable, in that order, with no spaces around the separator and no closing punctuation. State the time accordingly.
9:48:39
